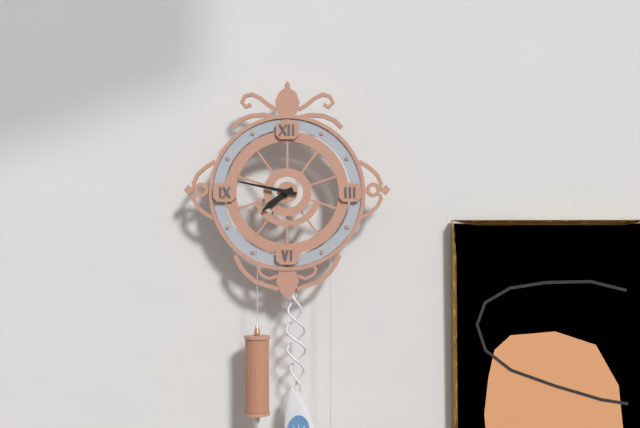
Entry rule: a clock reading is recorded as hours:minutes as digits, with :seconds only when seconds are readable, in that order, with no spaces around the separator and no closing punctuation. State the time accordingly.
7:47
